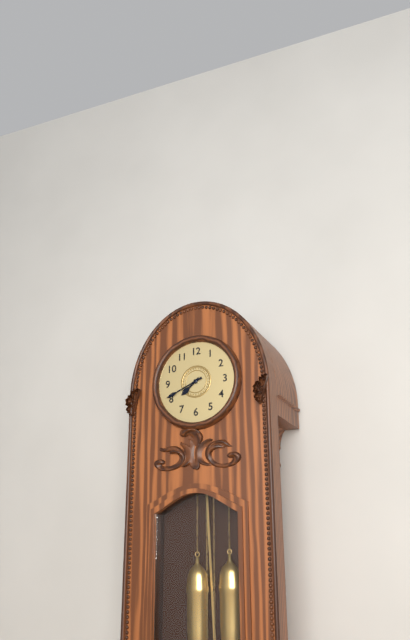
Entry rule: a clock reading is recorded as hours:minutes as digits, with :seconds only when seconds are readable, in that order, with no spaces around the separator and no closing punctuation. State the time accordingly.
7:41
